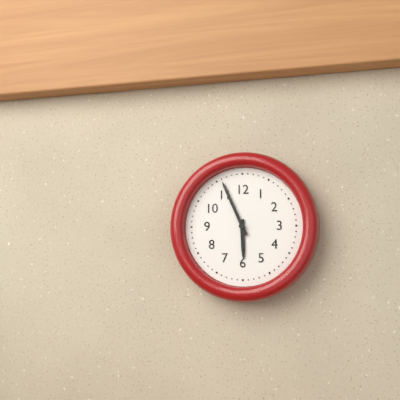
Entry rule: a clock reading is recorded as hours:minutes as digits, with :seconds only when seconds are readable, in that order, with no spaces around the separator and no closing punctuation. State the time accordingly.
5:56
